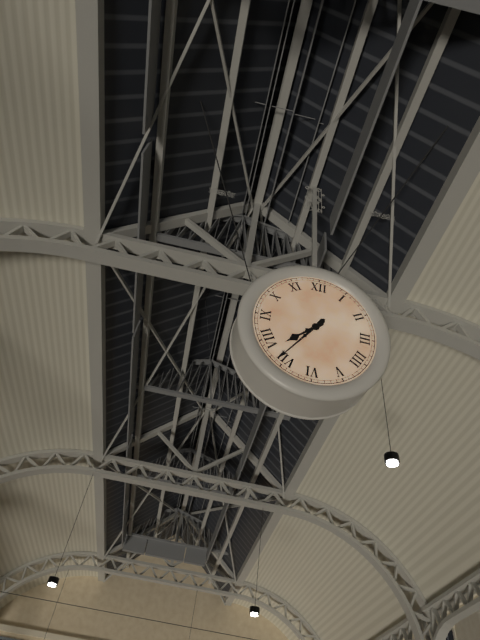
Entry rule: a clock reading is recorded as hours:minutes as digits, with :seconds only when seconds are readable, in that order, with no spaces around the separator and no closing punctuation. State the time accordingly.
7:36
